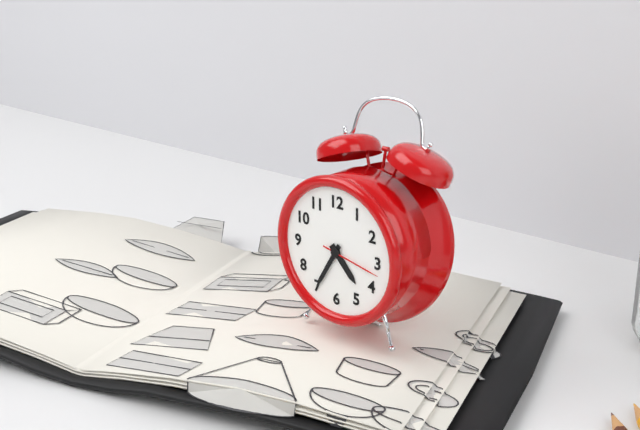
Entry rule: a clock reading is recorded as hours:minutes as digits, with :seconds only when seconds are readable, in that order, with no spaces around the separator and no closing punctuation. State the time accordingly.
4:35:17
